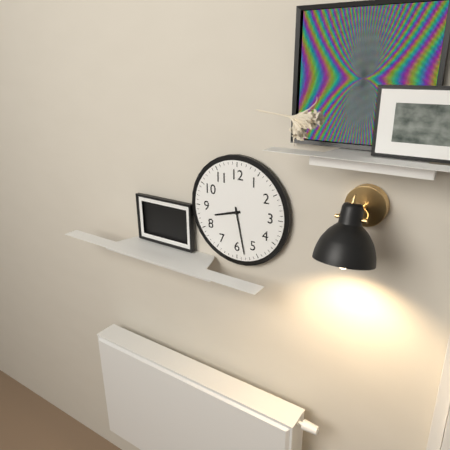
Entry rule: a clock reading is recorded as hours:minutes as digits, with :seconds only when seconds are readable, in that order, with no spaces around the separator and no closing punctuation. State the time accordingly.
8:28
